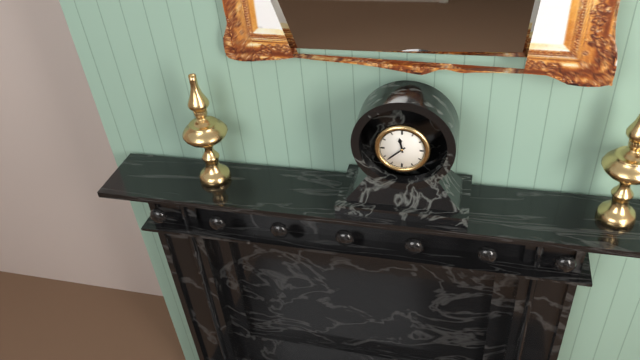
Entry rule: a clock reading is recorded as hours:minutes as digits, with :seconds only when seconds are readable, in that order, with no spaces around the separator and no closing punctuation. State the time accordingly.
11:38
